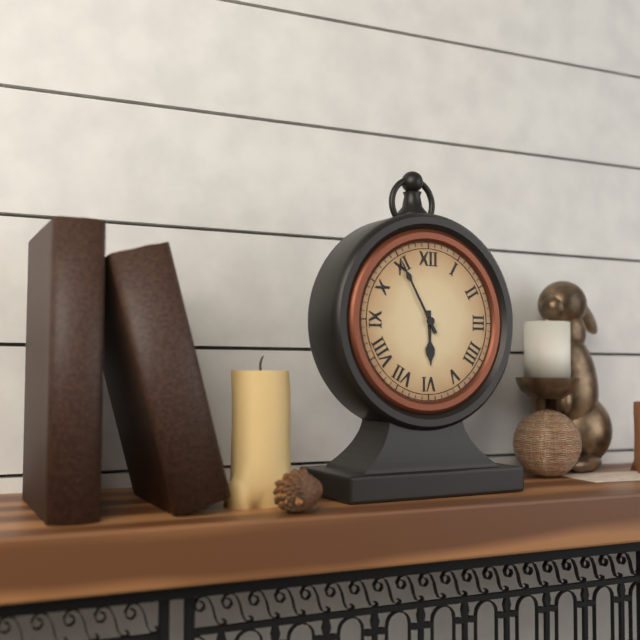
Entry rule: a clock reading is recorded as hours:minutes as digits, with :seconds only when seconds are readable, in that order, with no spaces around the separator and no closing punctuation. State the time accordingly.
5:55
